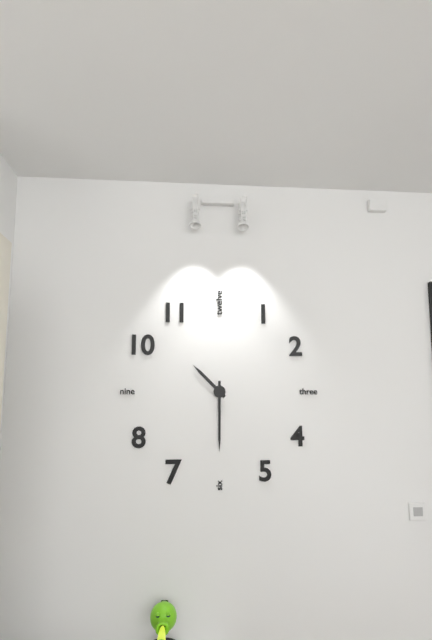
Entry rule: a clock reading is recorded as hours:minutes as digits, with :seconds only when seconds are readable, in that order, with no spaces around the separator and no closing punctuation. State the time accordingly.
10:30
